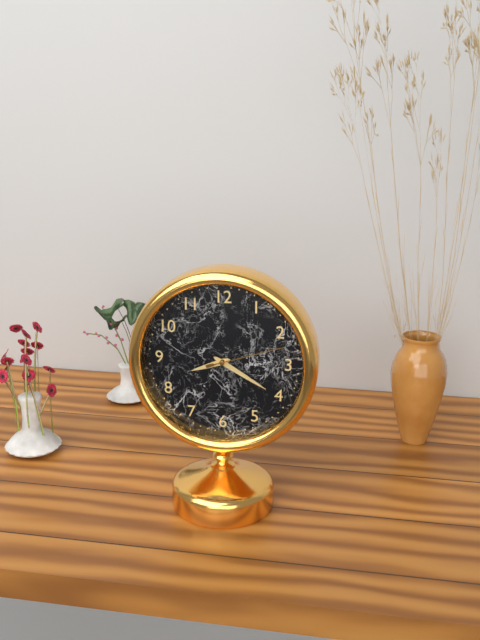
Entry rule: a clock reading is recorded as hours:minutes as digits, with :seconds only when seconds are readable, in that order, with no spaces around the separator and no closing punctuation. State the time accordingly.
8:20:12
